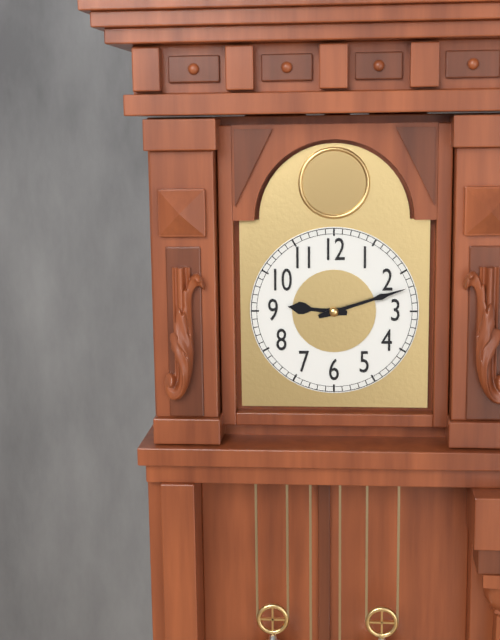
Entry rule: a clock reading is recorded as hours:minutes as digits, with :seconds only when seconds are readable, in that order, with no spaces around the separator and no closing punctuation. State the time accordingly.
9:12
